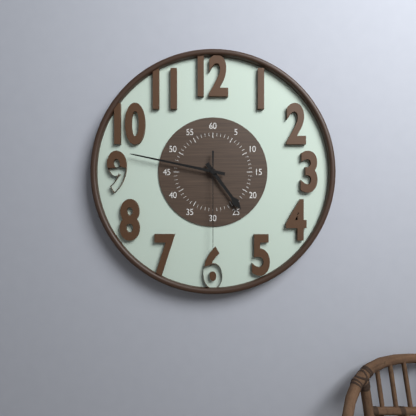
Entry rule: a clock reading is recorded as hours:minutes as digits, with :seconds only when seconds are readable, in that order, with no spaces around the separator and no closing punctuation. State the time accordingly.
4:47:30
